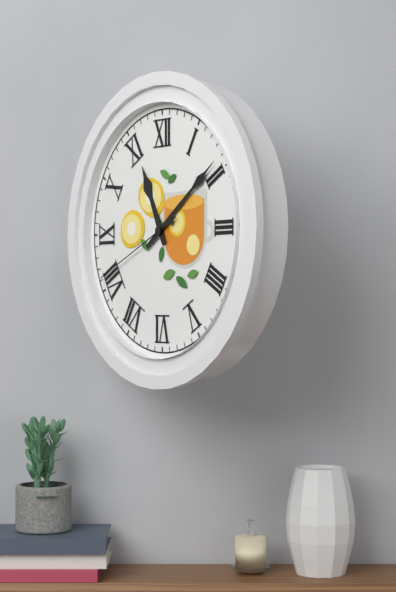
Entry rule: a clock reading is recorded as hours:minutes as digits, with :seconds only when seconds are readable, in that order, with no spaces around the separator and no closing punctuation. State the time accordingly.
11:09:41
